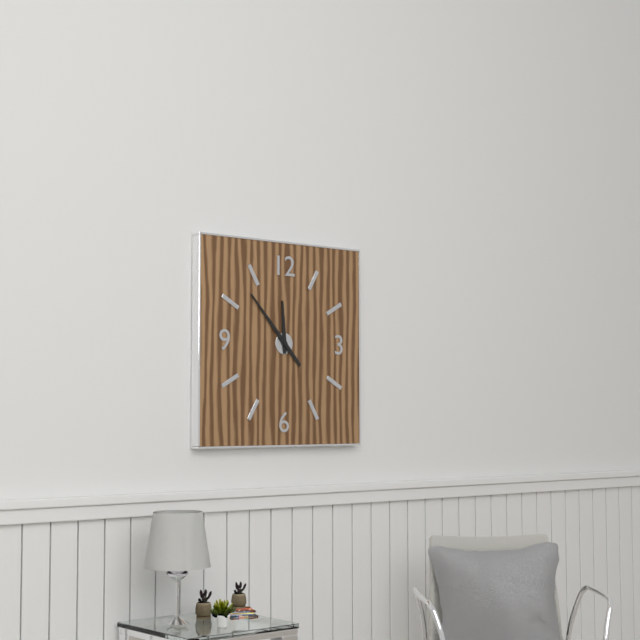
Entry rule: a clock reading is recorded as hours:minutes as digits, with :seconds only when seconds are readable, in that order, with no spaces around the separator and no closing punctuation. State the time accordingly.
11:53
